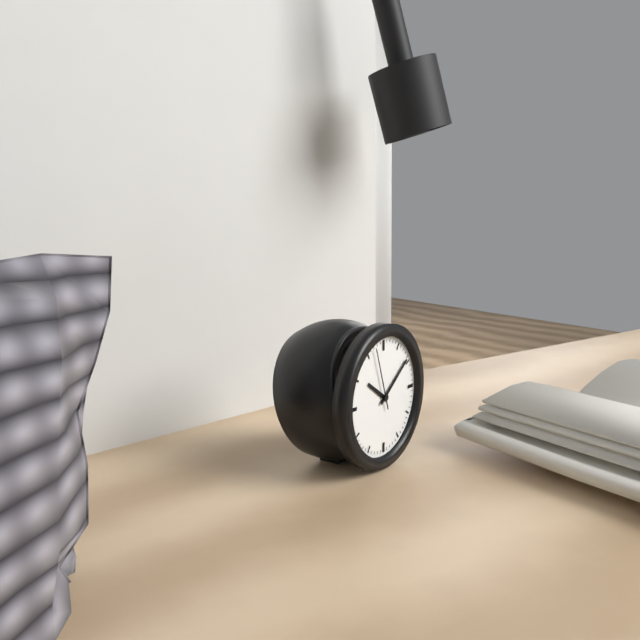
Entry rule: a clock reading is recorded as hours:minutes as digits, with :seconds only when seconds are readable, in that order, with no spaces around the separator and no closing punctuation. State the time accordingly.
10:09:57
